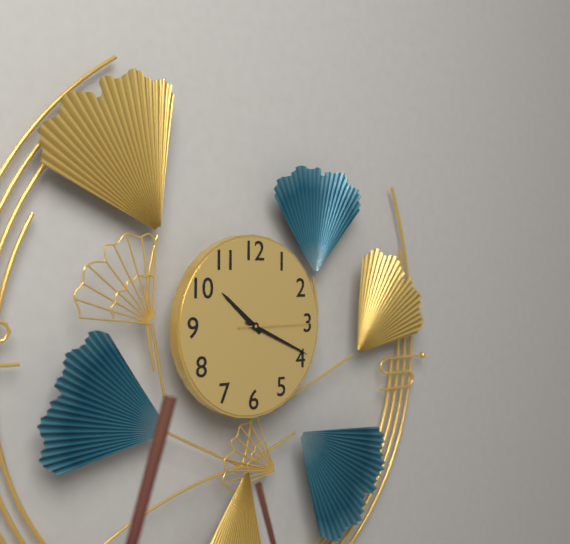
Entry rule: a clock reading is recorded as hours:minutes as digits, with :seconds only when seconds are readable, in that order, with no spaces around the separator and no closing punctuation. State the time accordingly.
10:19:15
